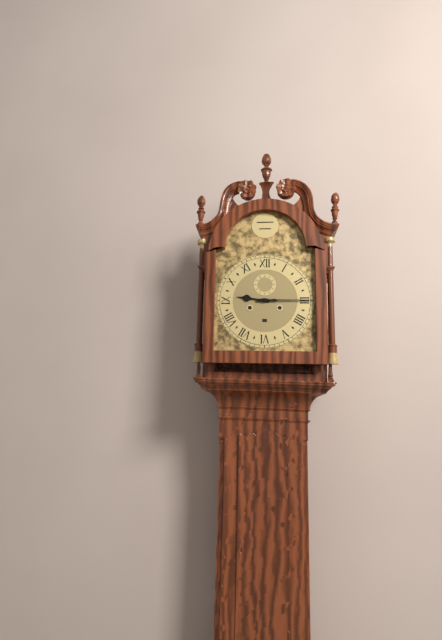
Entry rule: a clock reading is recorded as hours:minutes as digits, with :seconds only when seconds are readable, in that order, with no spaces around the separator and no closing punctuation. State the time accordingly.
9:15
